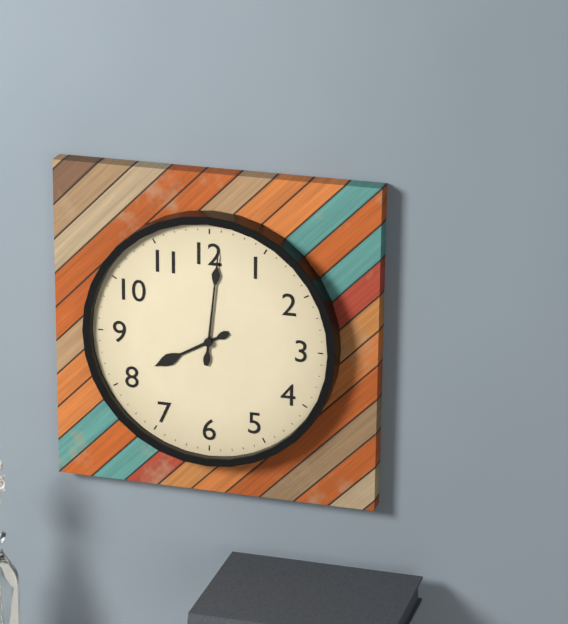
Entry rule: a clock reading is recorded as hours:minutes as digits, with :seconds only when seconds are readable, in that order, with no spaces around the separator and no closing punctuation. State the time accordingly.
8:01
